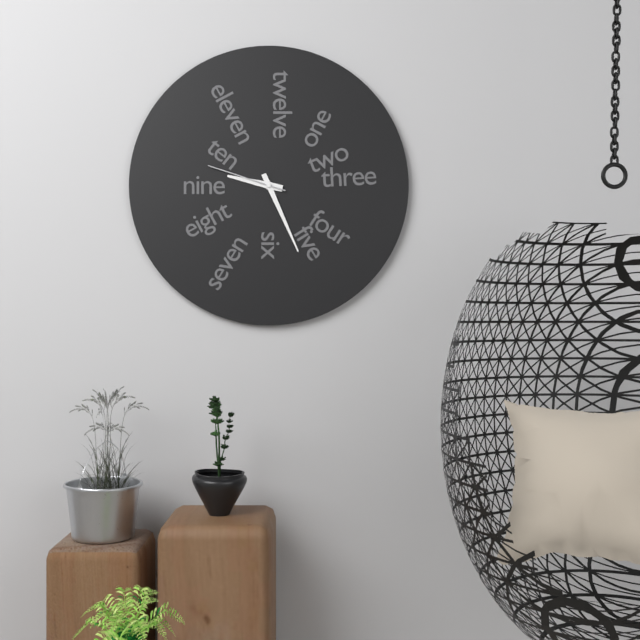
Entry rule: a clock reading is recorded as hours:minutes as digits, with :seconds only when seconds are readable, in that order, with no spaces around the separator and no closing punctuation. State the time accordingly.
9:26:48
